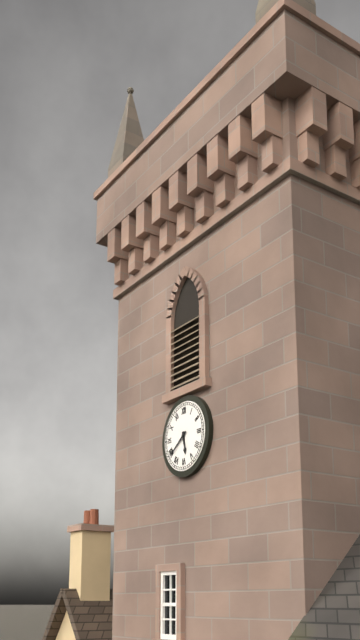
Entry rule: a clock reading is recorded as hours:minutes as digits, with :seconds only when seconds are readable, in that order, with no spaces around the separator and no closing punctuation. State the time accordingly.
5:39
